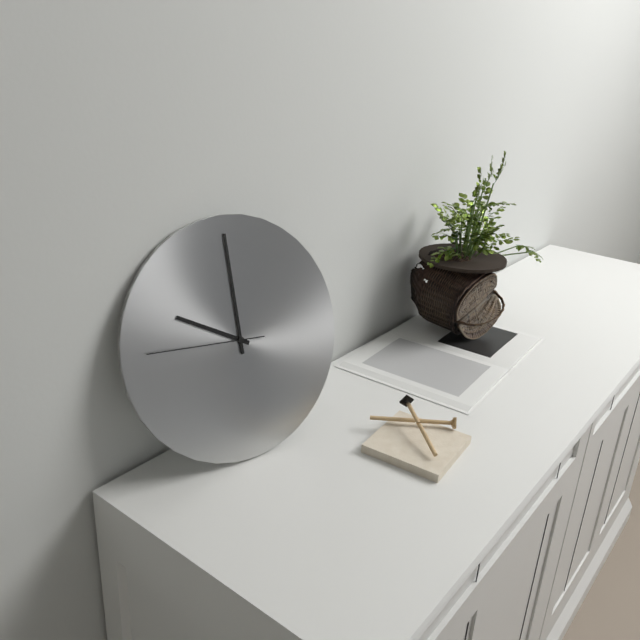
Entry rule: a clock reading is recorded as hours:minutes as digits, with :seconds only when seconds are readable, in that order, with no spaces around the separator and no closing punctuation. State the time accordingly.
10:00:46
